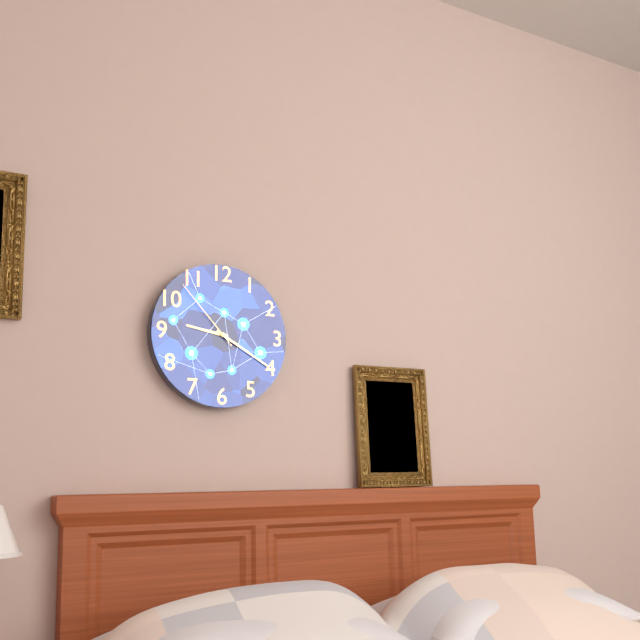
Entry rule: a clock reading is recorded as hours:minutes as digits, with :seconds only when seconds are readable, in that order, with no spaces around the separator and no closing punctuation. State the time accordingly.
9:20:53
